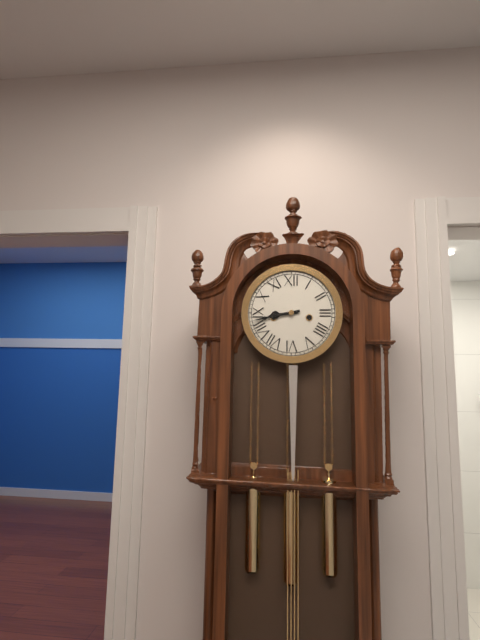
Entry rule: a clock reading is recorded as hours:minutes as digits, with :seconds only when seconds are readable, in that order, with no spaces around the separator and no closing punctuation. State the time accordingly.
8:43
